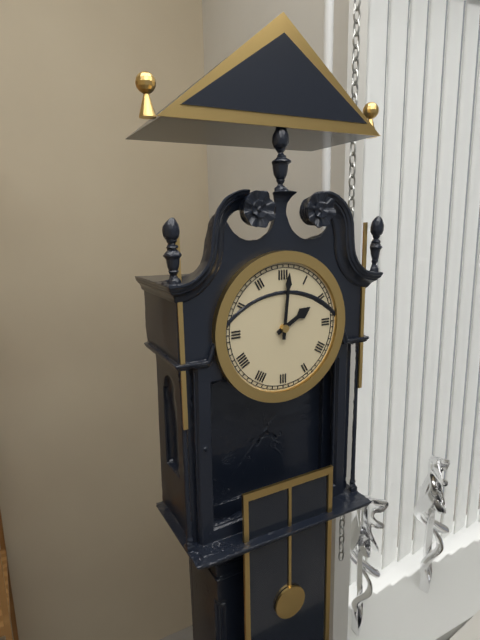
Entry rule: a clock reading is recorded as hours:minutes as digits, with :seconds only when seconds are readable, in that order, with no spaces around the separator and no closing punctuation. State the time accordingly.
2:01
